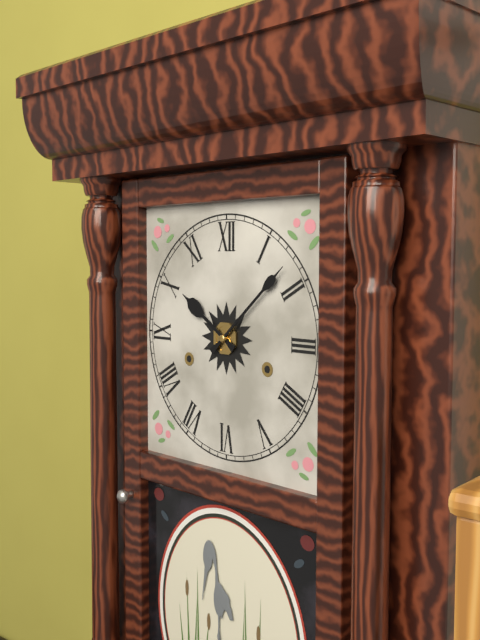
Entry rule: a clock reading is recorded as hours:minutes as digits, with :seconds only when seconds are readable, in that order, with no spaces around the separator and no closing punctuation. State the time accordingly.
10:08
